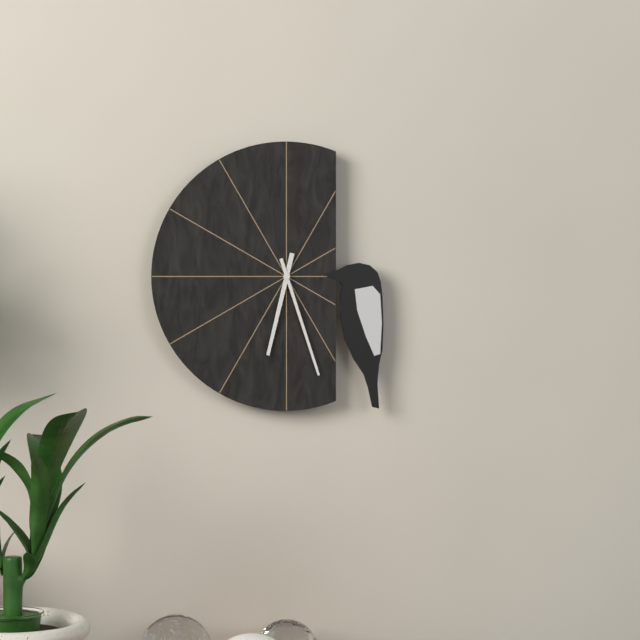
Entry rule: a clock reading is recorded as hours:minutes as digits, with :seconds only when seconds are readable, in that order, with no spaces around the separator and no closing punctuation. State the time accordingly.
6:27
